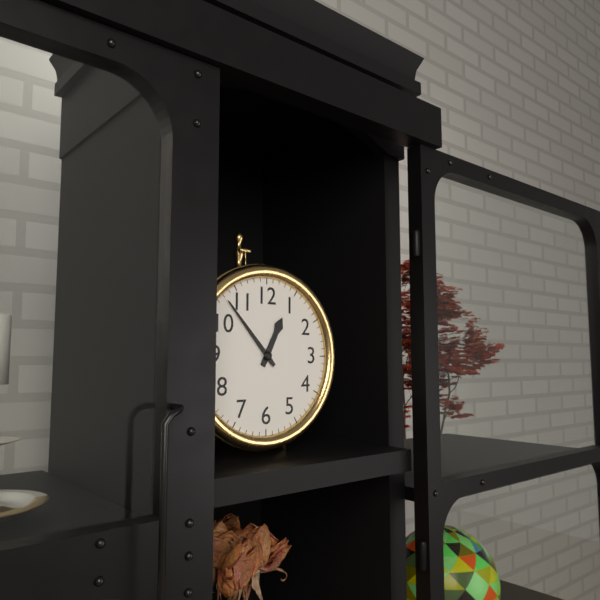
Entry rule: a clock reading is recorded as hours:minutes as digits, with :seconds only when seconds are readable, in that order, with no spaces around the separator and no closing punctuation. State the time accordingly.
12:53
